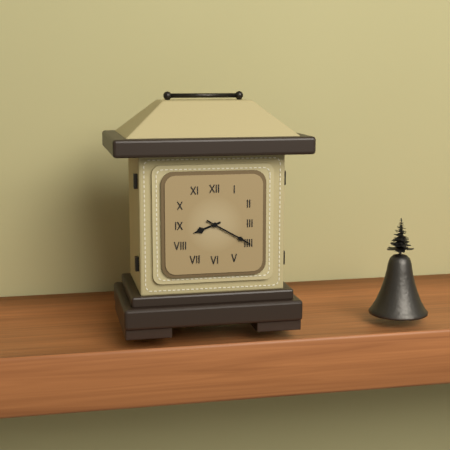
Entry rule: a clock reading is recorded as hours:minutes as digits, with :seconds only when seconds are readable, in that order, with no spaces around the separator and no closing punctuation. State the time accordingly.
8:20
